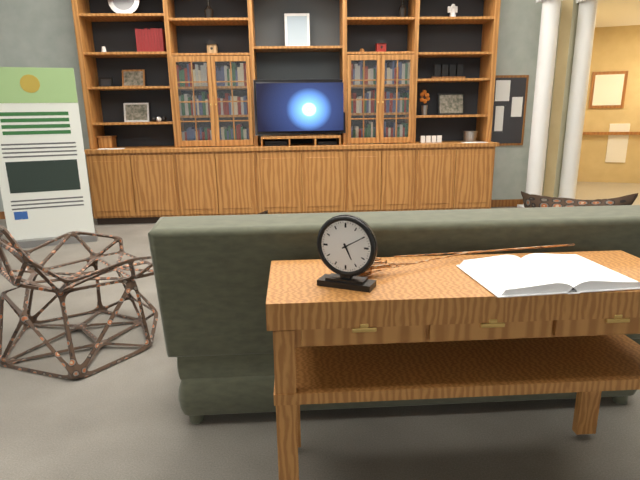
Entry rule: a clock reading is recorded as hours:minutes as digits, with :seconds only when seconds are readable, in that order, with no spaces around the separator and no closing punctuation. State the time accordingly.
5:10
